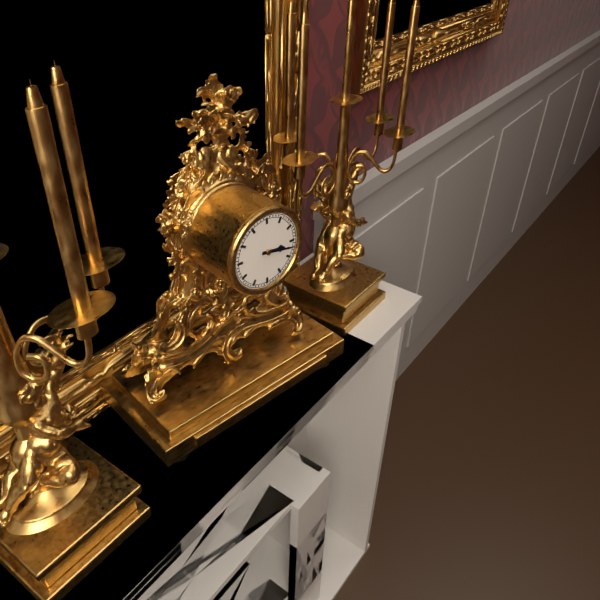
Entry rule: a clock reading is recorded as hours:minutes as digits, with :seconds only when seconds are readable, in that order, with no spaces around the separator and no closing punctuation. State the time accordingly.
3:17
